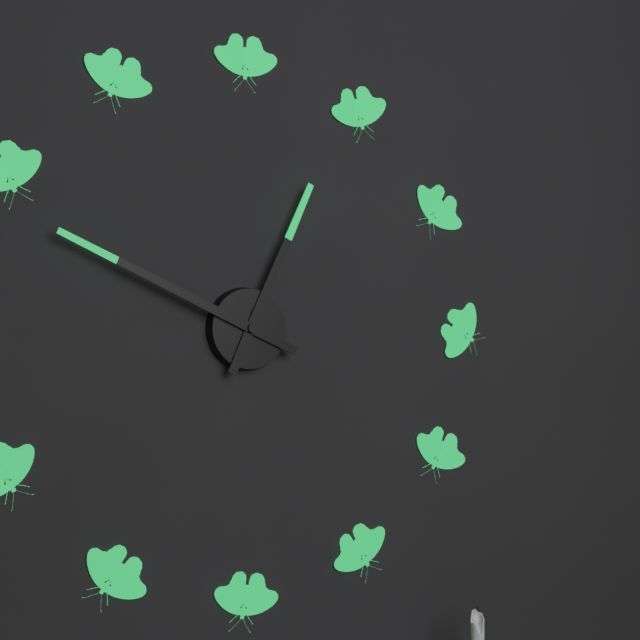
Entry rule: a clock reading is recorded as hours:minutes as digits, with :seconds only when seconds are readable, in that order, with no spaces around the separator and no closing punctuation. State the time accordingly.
12:49
